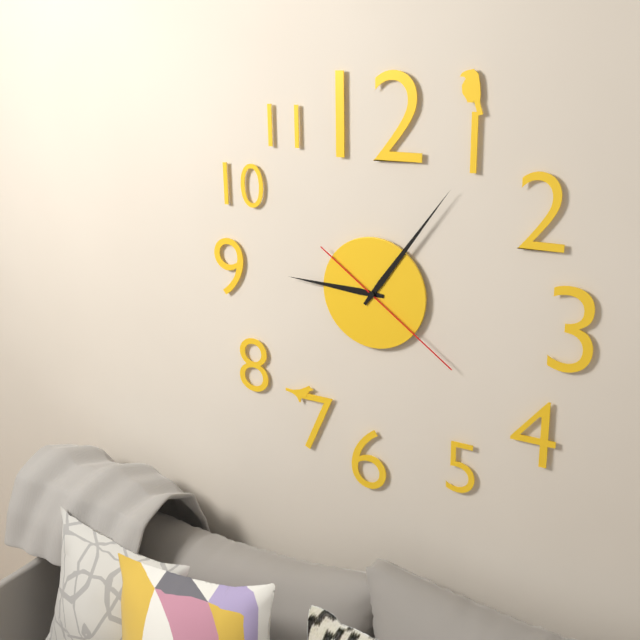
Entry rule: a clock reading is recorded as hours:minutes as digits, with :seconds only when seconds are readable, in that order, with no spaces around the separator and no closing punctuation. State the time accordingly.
9:06:21
